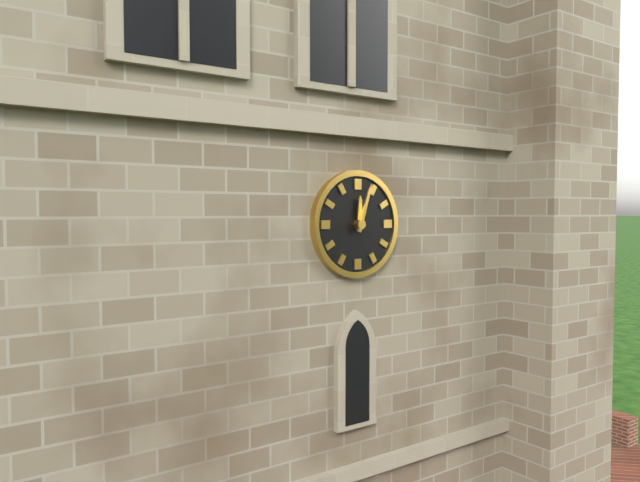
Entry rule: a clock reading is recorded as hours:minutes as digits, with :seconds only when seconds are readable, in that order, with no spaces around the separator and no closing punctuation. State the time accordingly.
12:03
